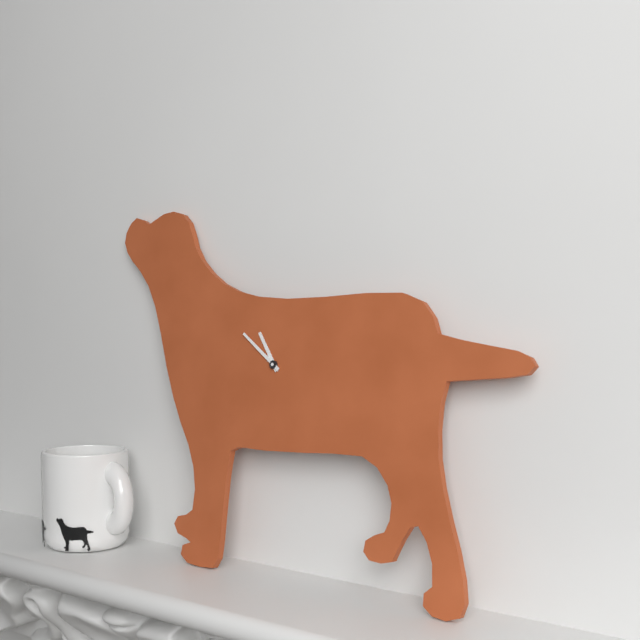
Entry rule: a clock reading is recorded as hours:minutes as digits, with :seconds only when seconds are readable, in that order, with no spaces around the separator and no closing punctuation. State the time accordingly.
10:51
